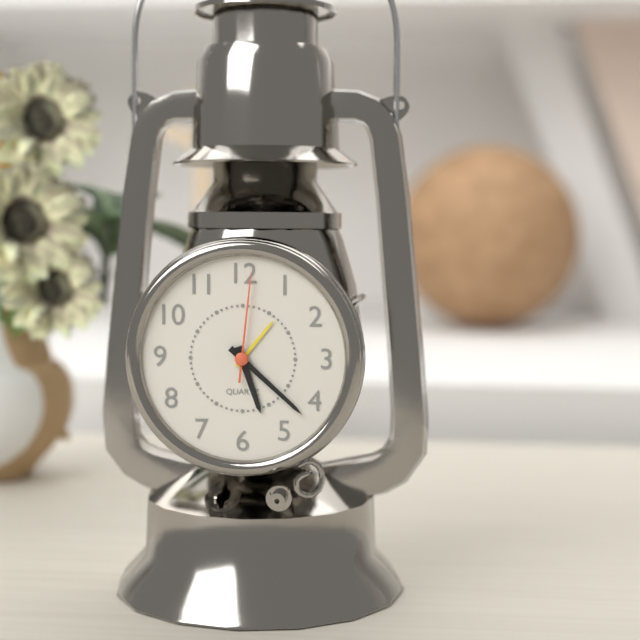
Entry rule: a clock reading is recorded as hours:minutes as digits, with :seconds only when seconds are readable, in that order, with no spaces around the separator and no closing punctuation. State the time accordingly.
5:22:01
